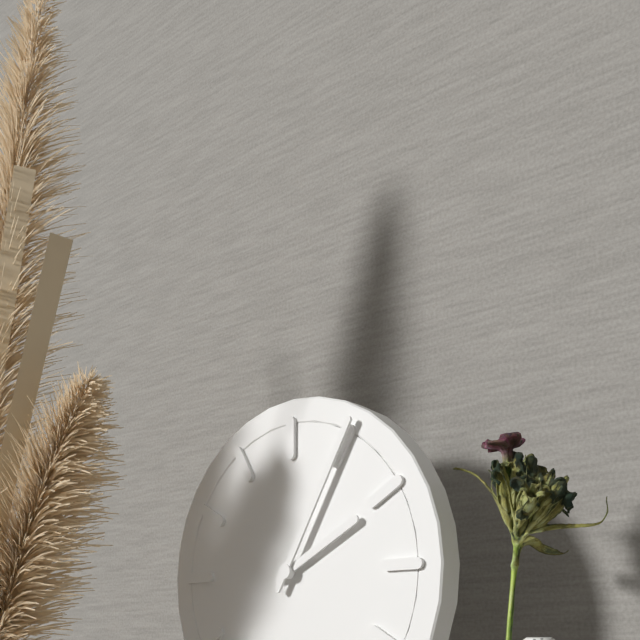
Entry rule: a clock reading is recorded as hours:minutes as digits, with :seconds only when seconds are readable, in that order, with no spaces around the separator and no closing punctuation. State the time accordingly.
2:05
